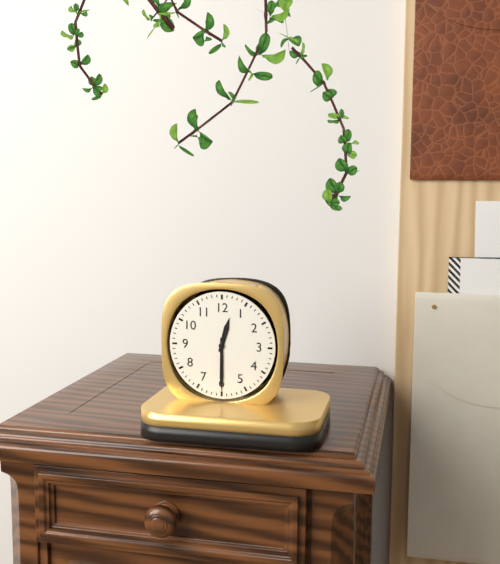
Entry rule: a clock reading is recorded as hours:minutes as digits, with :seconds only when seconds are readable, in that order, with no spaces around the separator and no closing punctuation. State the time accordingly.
12:30
